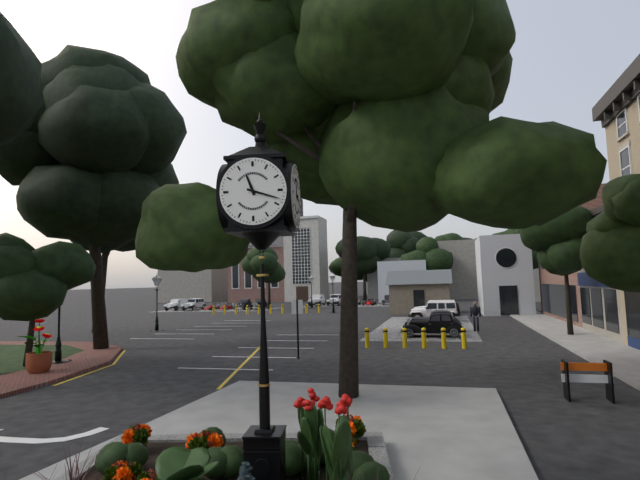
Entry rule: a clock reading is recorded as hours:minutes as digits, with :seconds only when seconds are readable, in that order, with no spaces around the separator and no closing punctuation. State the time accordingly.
11:18
